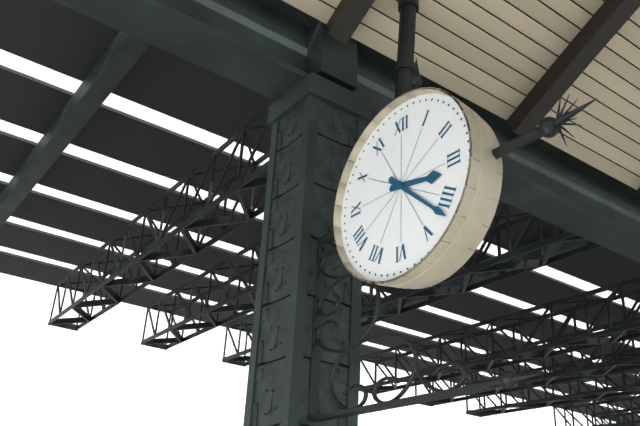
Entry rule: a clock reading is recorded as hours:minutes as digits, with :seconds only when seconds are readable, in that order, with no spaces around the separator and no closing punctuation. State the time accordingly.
3:22
